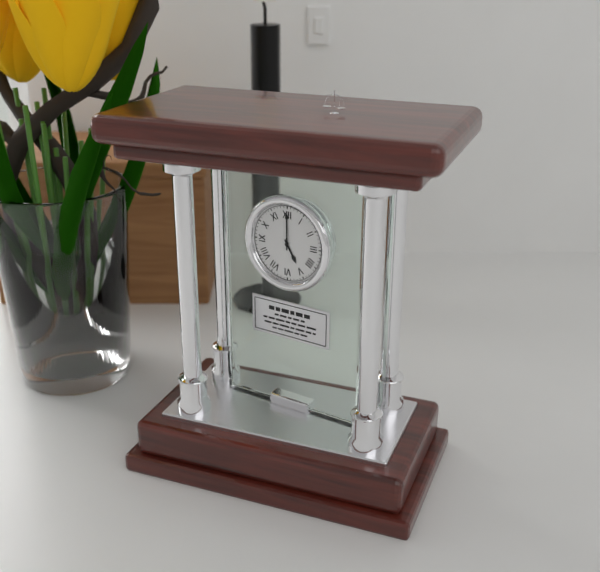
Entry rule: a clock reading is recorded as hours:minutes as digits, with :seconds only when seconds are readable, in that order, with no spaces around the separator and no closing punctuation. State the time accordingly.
5:00
